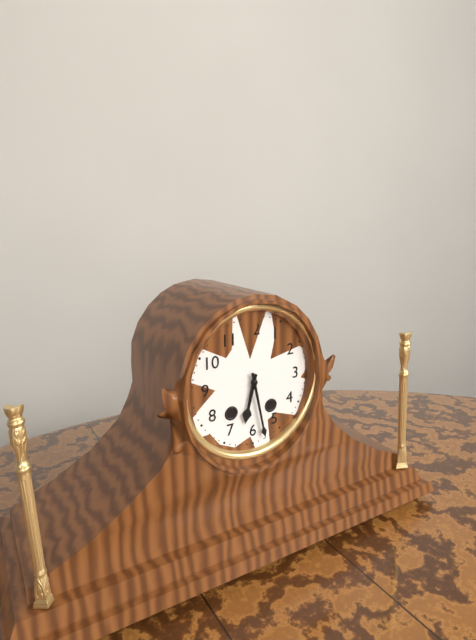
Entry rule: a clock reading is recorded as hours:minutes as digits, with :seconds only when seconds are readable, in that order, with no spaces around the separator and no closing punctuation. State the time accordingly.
6:28
